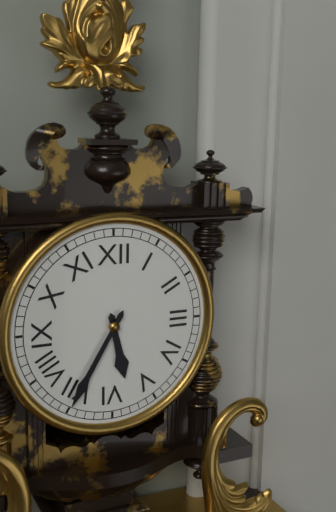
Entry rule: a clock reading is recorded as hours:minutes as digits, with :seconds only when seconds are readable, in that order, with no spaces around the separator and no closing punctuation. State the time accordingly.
5:35
